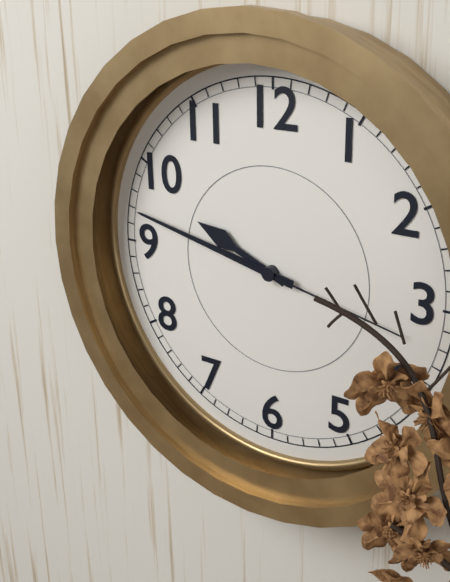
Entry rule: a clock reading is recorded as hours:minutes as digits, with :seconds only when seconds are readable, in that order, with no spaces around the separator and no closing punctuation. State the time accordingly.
9:47:17
